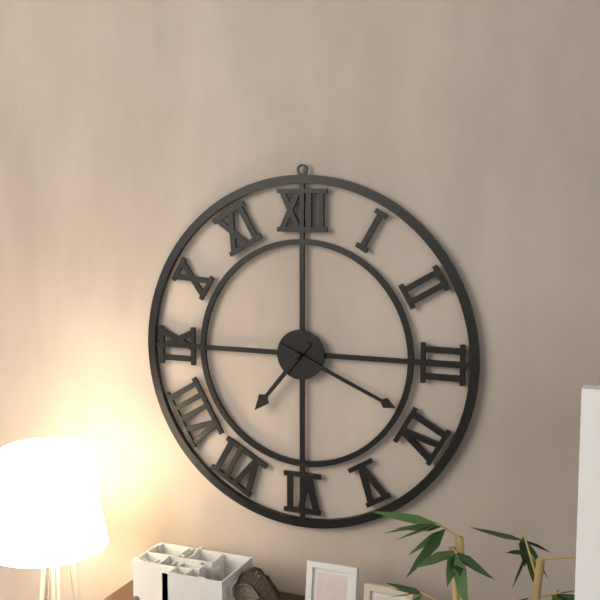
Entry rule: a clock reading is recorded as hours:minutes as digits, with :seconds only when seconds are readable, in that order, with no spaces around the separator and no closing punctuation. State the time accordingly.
7:19
